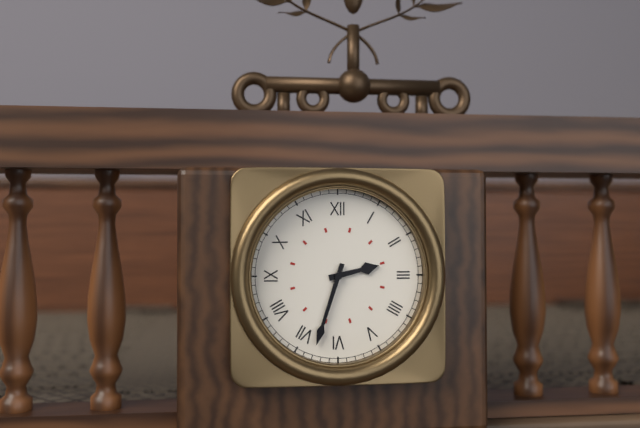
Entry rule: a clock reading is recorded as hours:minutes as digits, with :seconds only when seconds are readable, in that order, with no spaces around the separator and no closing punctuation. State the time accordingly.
2:33
